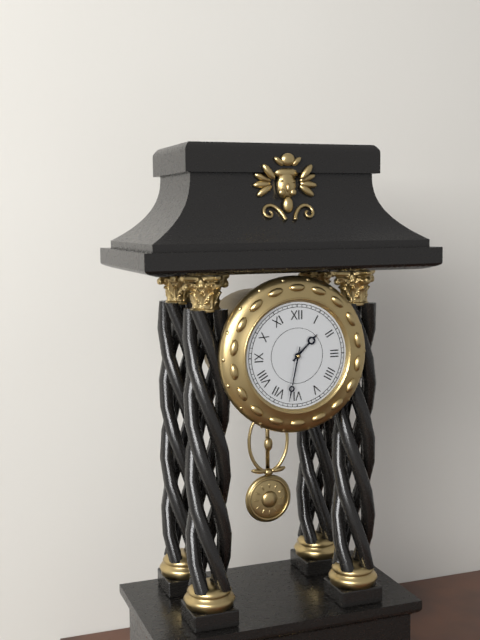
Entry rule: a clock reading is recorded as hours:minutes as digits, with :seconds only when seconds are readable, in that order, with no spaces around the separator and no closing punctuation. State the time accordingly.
1:32
